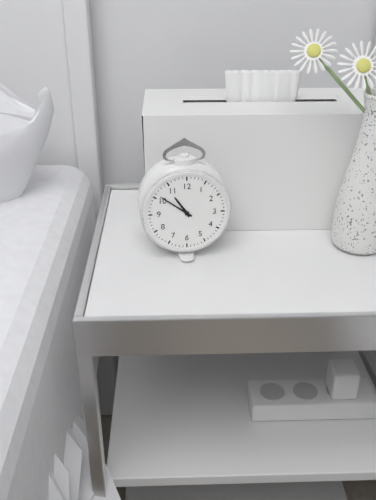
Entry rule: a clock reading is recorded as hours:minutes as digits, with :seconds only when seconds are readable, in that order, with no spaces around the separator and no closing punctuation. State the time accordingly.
10:51
